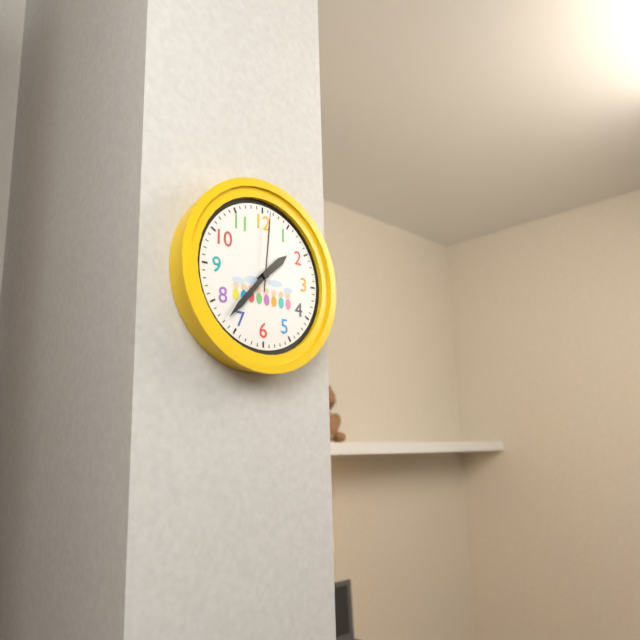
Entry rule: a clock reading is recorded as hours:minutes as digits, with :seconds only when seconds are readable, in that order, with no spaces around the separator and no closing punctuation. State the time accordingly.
1:37:01
